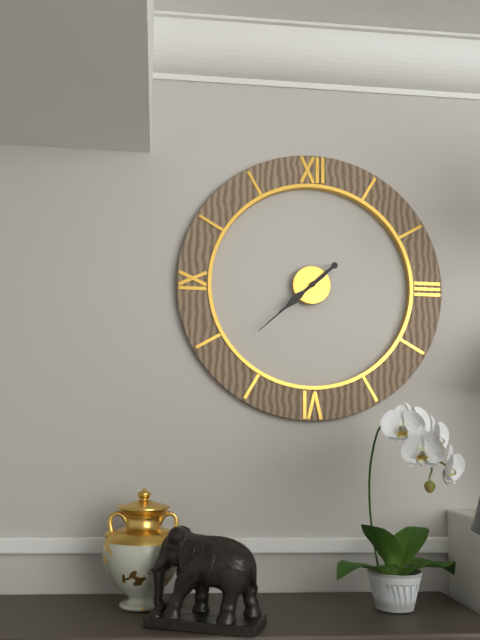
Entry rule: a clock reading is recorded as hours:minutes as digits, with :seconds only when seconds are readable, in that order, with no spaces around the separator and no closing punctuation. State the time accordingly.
7:38
